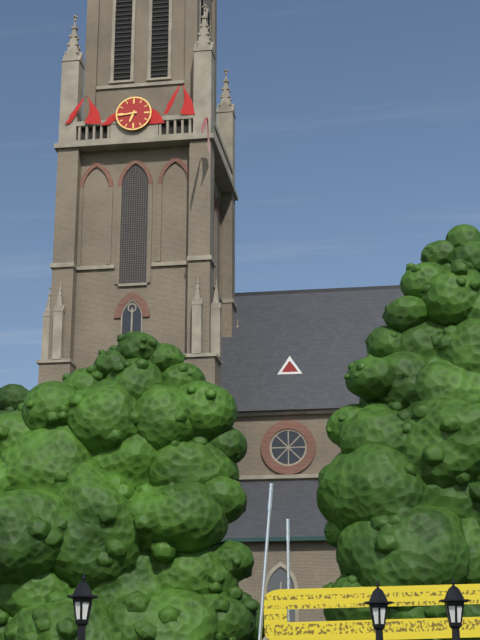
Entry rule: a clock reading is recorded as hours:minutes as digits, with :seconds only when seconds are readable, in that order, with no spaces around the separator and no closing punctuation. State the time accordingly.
6:44
